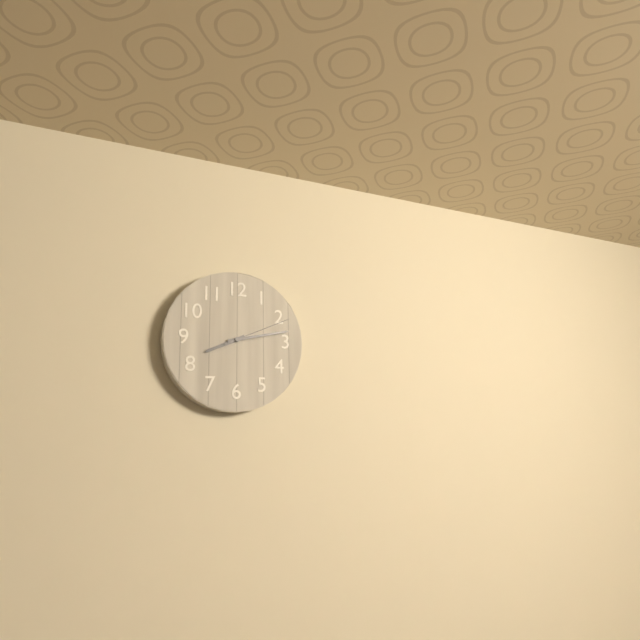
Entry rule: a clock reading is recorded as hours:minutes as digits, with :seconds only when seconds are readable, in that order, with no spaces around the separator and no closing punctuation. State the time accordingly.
8:13:11
